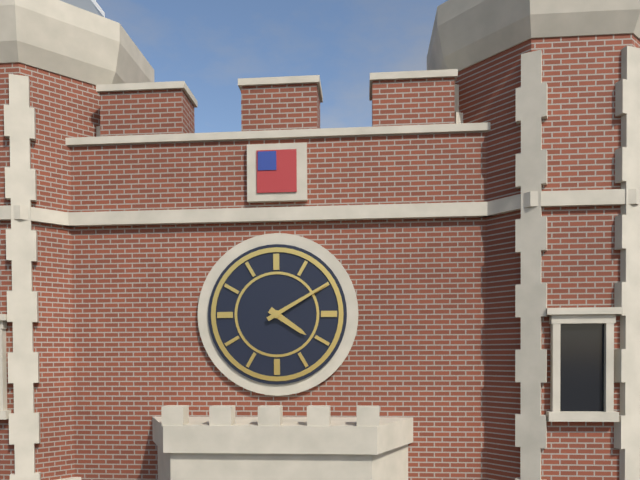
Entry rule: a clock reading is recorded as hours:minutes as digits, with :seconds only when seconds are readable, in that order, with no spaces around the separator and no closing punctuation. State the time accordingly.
4:10
